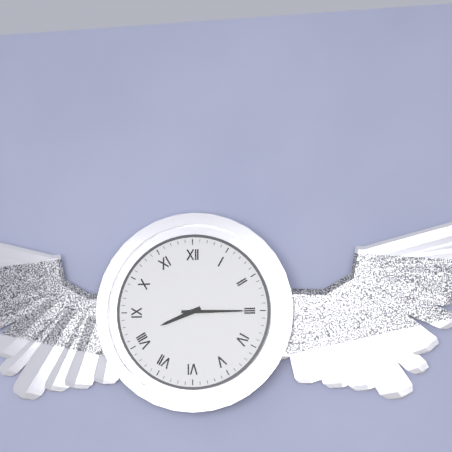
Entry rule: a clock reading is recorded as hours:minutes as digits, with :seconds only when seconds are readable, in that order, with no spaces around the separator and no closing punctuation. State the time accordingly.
8:15
